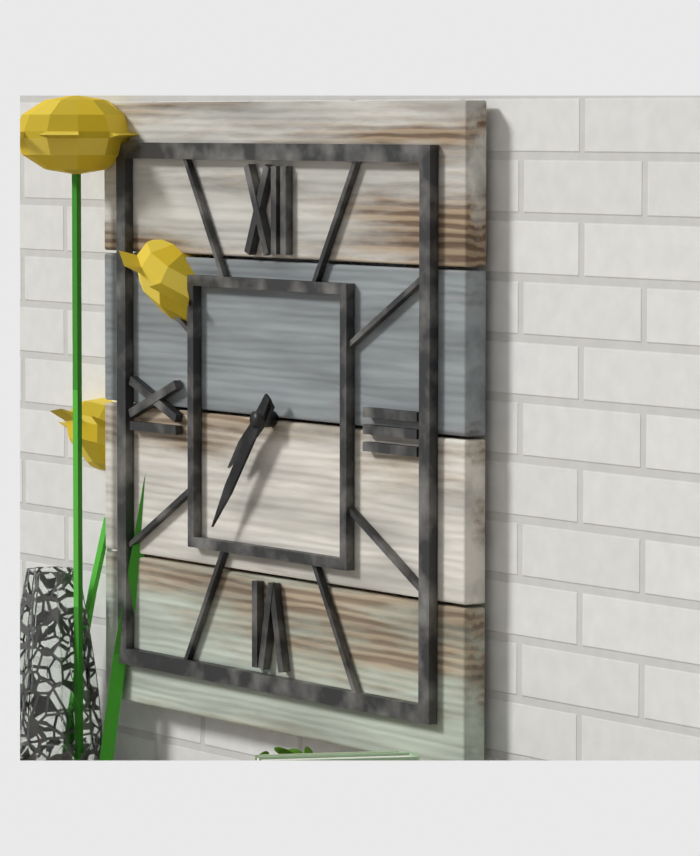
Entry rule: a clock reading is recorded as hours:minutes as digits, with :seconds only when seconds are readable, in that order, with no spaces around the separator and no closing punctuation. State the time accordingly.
7:36
